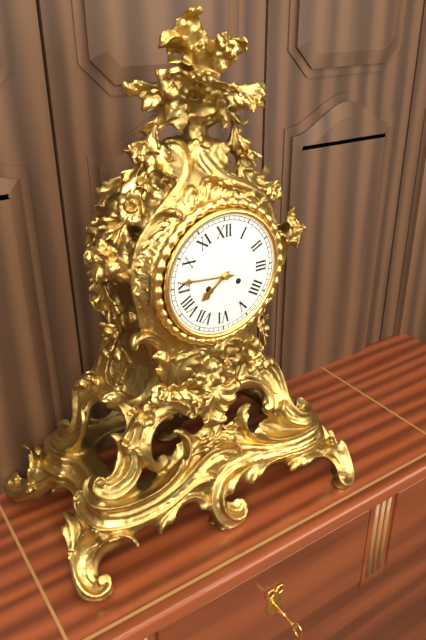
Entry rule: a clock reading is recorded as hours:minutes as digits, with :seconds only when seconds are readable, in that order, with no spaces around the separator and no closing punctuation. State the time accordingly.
7:46
